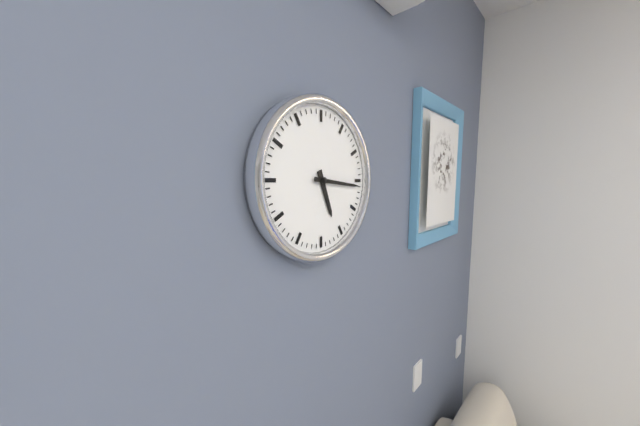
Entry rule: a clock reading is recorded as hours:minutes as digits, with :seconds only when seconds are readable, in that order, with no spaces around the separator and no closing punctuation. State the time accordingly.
5:16
